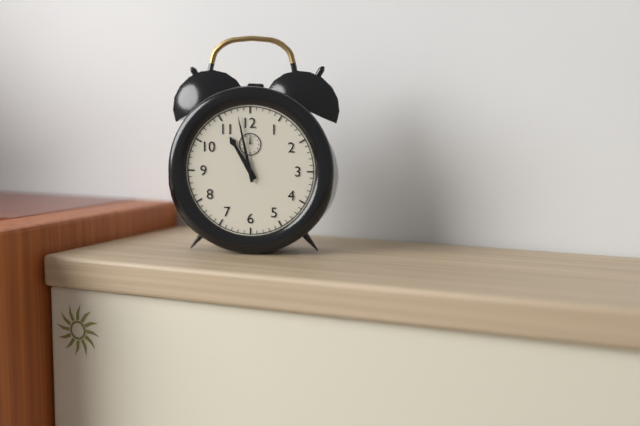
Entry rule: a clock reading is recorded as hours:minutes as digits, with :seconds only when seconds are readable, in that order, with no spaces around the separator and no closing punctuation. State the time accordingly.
10:58
